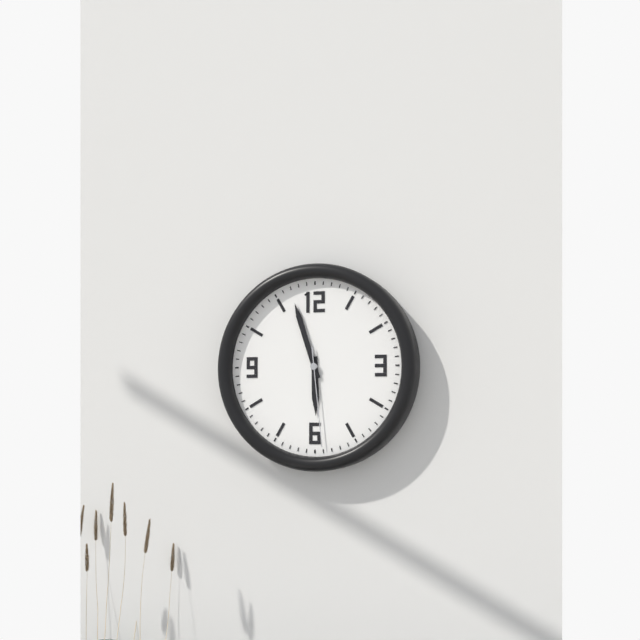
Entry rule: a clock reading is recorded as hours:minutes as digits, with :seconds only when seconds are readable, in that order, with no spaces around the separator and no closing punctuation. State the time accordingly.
5:57:29
